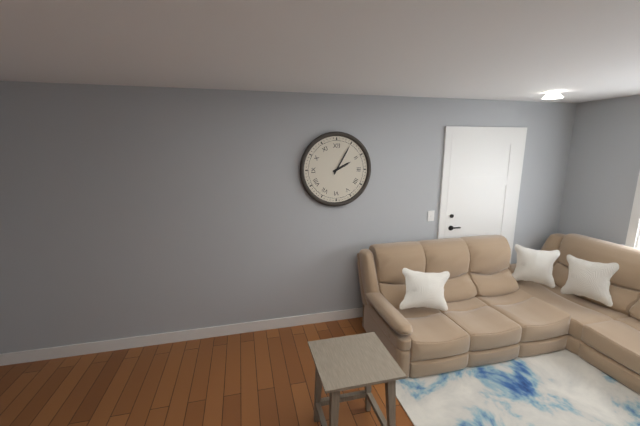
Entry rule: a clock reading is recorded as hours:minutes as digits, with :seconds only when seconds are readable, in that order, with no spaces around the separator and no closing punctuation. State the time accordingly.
2:05
